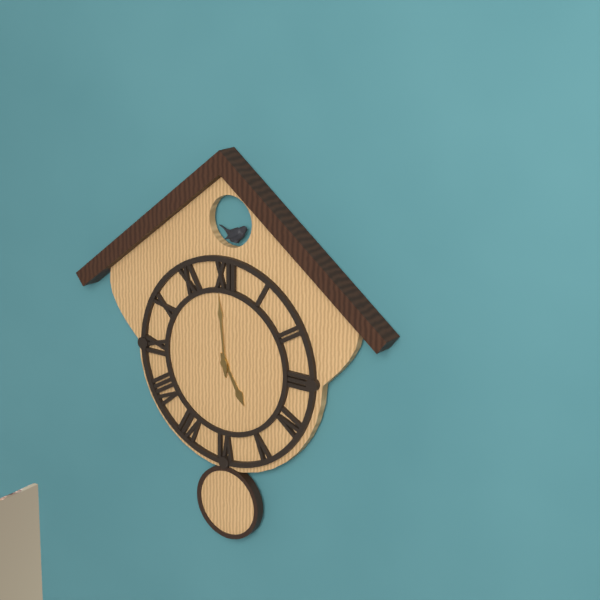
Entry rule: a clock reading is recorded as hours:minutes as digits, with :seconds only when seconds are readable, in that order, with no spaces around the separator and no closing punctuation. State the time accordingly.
4:59
